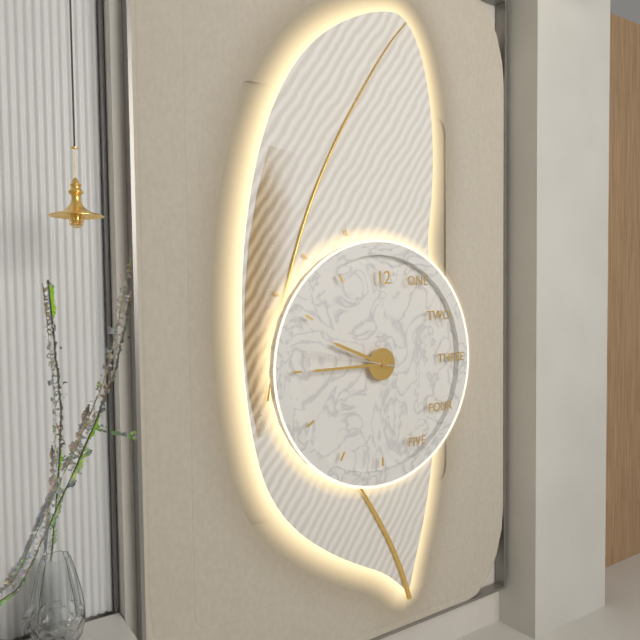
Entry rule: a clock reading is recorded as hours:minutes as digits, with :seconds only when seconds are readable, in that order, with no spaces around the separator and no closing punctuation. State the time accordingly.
9:45:47
